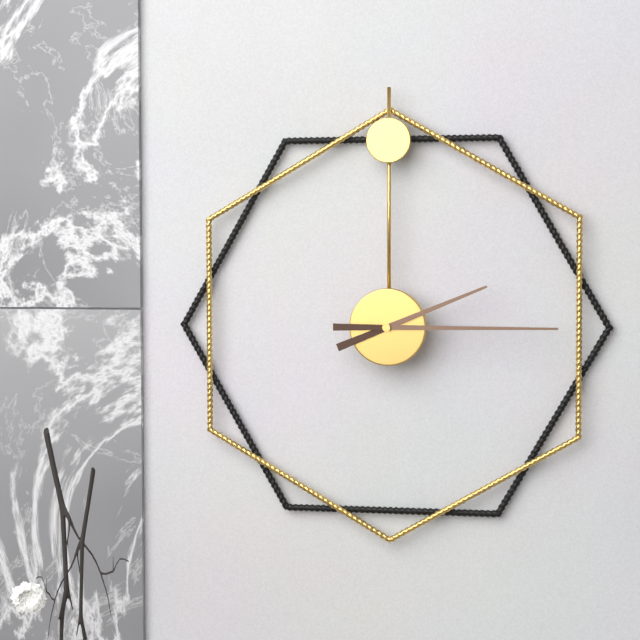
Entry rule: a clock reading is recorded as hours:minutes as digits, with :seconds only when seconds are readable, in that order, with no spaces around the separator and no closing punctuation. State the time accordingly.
2:15
